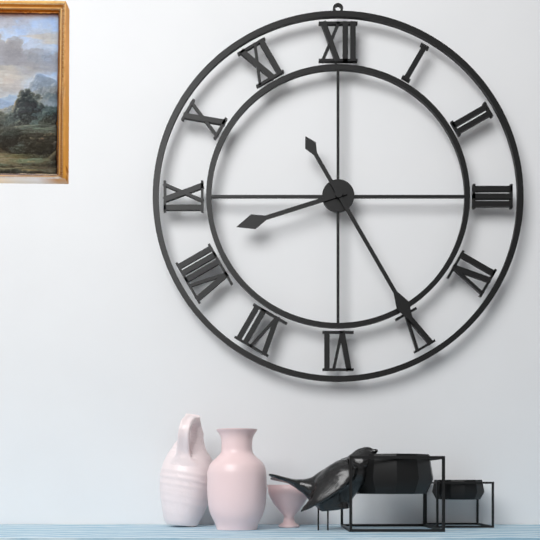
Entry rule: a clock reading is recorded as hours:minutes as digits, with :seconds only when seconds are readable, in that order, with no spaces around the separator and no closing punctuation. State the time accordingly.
8:25
